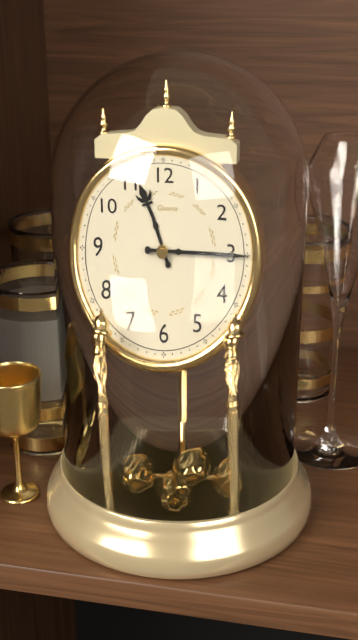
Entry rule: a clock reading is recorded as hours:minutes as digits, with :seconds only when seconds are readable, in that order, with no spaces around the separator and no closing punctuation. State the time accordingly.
11:15
